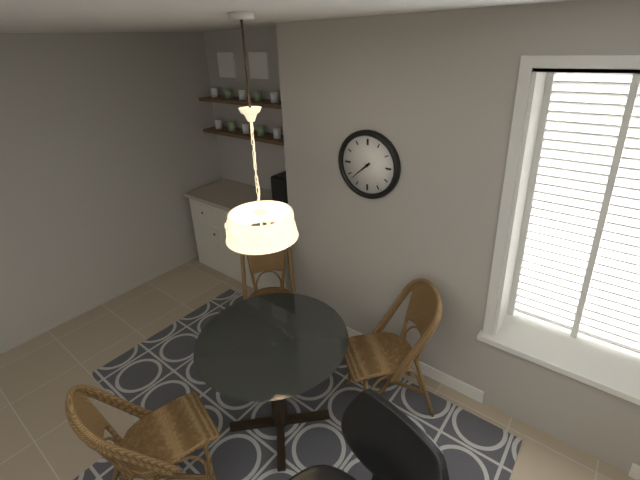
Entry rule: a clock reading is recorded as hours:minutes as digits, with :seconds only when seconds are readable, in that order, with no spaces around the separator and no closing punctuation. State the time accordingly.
7:38
